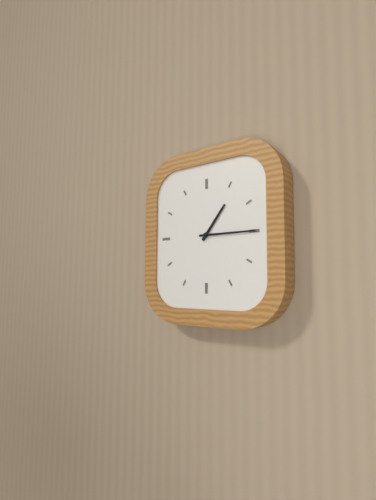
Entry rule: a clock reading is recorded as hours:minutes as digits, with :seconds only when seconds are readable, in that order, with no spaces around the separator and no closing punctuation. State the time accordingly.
1:15
